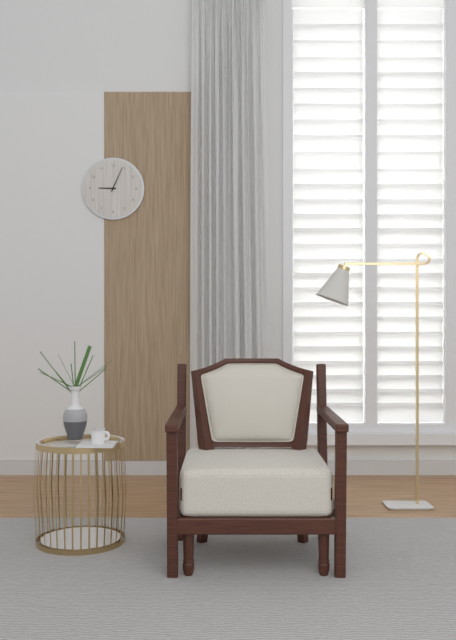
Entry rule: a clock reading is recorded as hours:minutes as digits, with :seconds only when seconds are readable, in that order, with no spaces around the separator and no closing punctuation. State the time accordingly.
9:04
